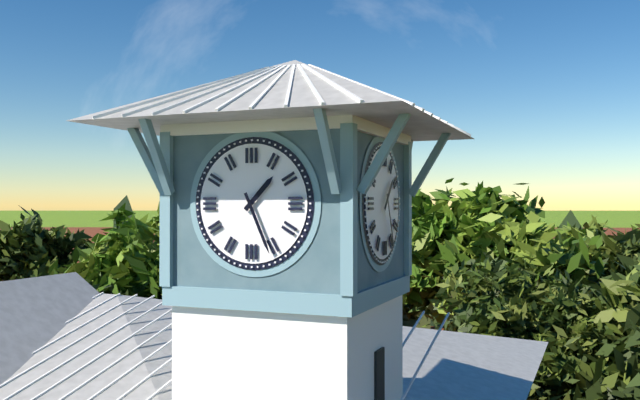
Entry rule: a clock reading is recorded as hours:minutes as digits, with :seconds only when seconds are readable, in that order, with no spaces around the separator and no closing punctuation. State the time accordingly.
1:26
